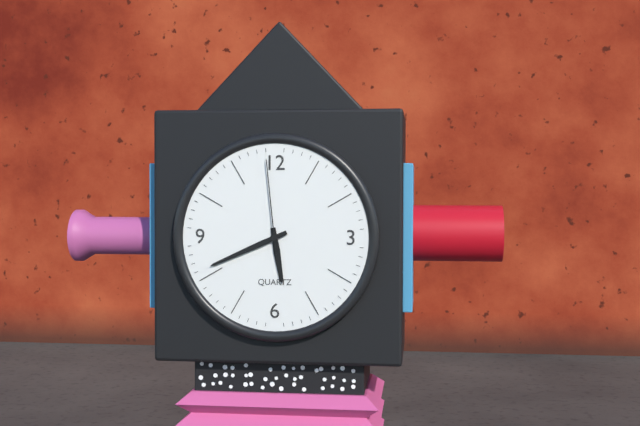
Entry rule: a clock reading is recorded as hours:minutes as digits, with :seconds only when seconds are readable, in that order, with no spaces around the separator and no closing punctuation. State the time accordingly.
5:41:59
